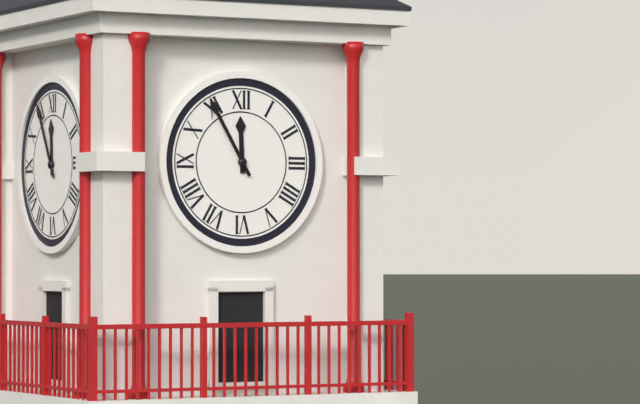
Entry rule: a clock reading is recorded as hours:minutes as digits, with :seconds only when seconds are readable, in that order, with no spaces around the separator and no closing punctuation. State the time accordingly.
11:55
